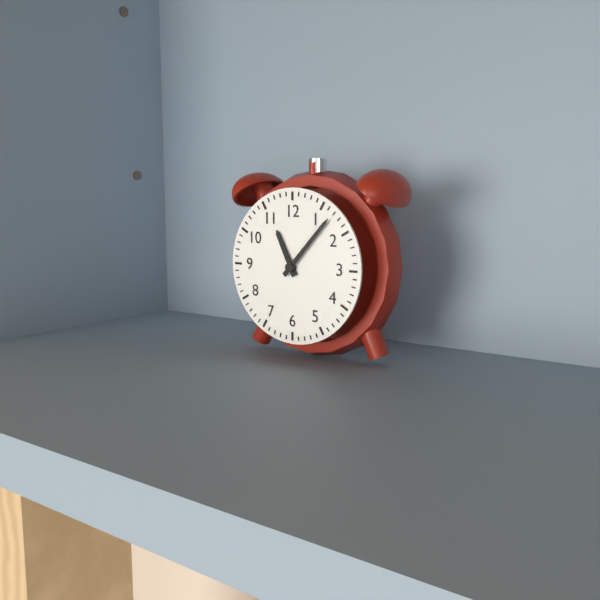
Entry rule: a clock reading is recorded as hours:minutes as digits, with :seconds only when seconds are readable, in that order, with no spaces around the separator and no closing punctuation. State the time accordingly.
11:07
